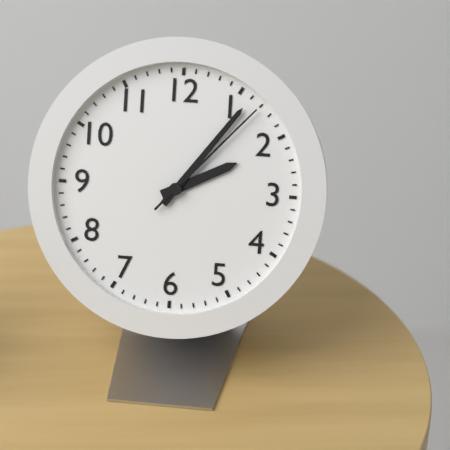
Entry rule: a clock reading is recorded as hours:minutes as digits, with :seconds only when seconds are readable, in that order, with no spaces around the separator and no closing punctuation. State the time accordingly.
2:06:07
